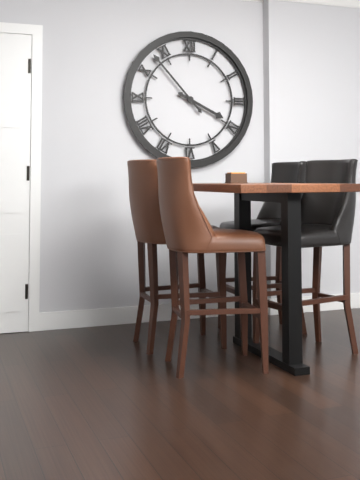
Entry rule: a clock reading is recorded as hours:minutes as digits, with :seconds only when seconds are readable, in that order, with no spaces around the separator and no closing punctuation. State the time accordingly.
3:53
